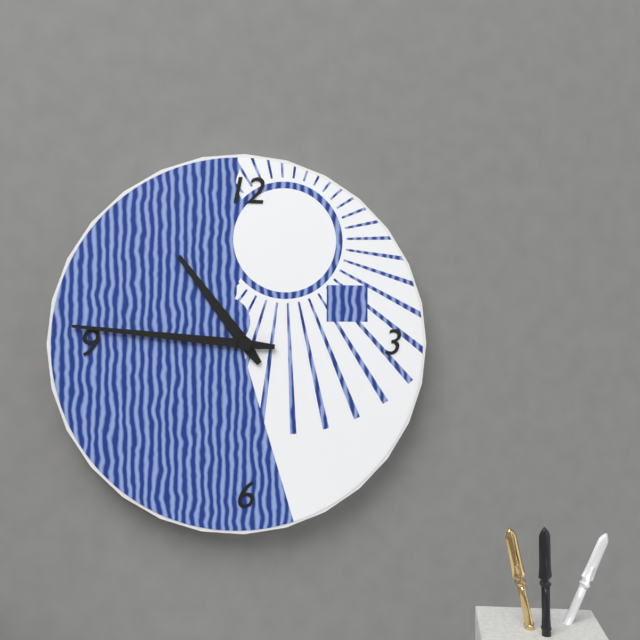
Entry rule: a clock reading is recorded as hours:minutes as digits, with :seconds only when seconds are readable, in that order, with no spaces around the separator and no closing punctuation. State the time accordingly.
10:46
